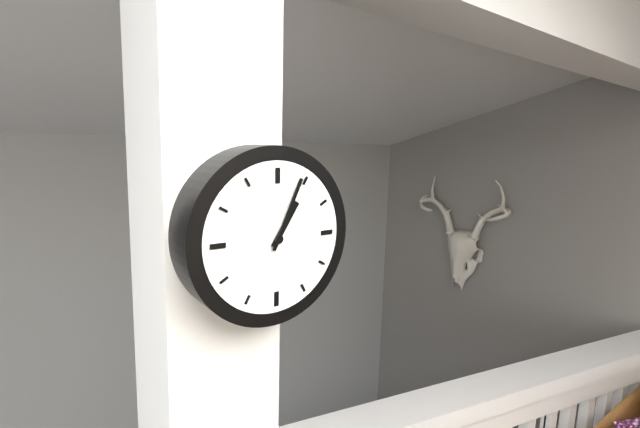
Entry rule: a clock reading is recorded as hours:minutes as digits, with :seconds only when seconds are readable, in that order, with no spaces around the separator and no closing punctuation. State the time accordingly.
1:04
